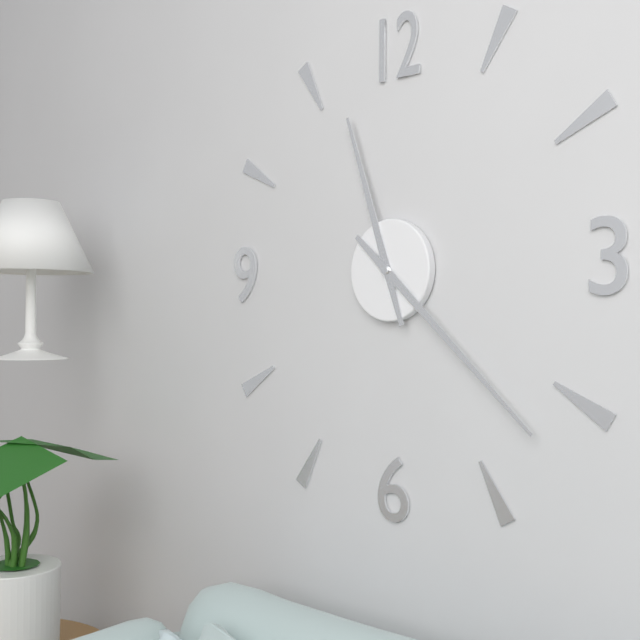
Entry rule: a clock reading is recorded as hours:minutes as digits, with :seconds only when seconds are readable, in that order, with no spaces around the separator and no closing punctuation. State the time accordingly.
11:22
